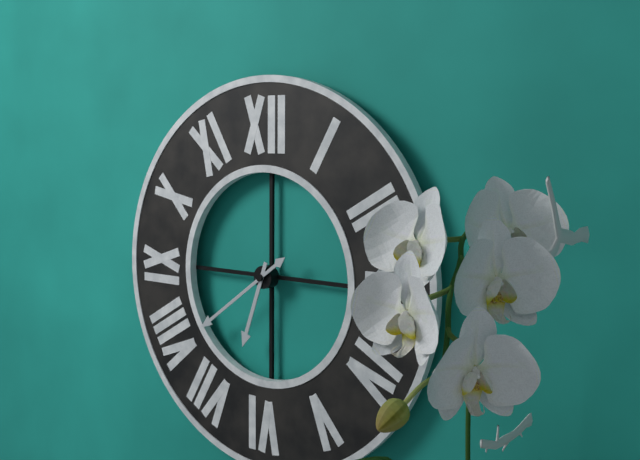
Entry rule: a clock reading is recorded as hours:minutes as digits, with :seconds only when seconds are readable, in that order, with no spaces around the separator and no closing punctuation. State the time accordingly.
6:39
